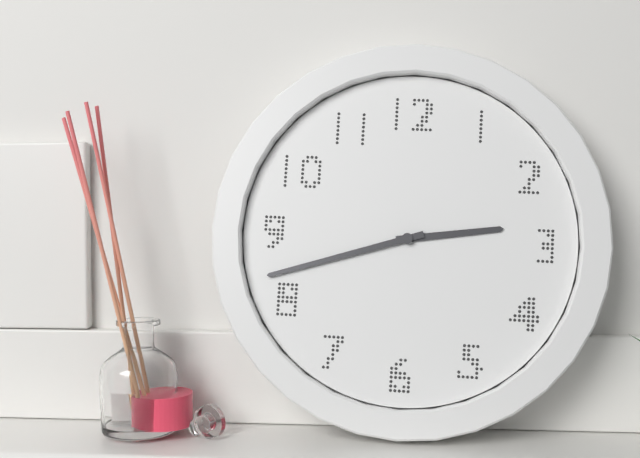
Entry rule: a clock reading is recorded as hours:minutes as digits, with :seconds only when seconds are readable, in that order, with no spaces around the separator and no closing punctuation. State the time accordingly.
2:42
